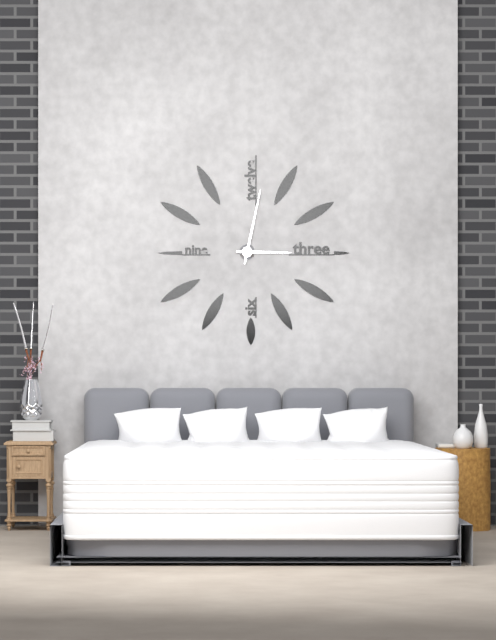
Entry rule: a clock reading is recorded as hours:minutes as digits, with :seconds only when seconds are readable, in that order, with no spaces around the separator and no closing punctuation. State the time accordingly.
3:02
